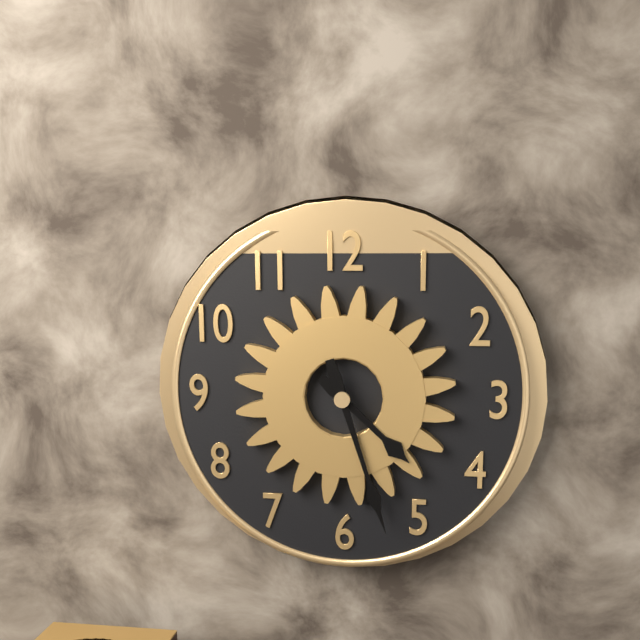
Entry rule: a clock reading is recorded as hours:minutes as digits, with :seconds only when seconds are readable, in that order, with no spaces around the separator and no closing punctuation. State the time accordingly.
4:27
